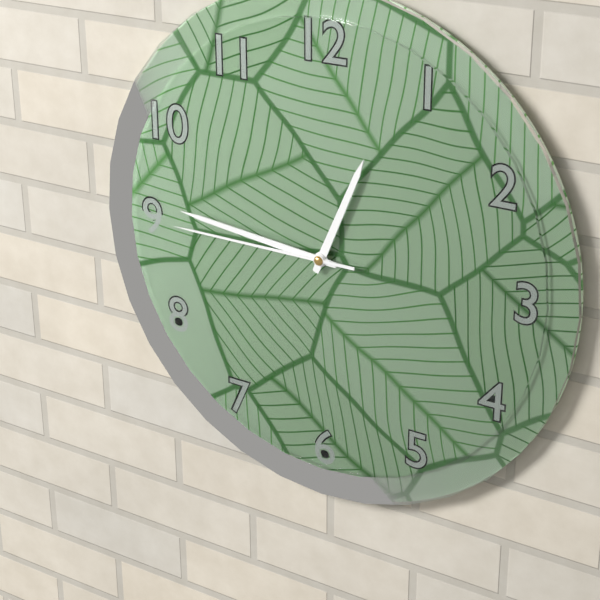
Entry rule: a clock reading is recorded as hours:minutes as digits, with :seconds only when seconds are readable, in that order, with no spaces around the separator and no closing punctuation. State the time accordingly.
12:46:45
